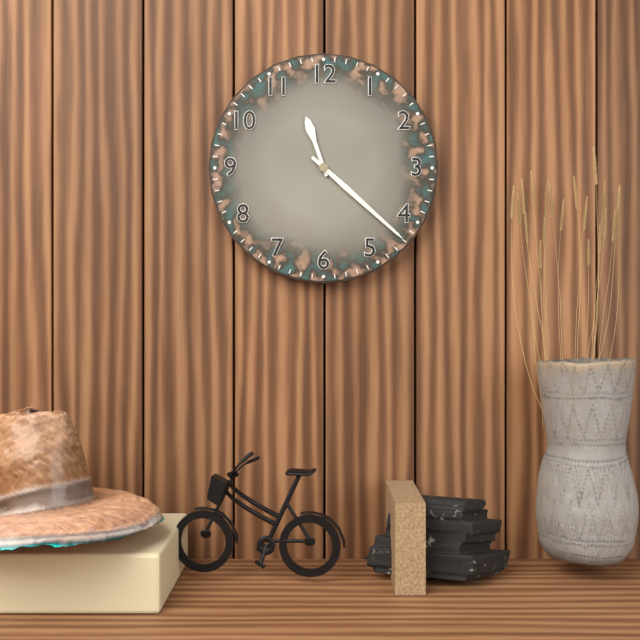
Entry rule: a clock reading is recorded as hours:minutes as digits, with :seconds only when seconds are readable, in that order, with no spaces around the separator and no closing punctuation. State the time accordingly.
11:22
